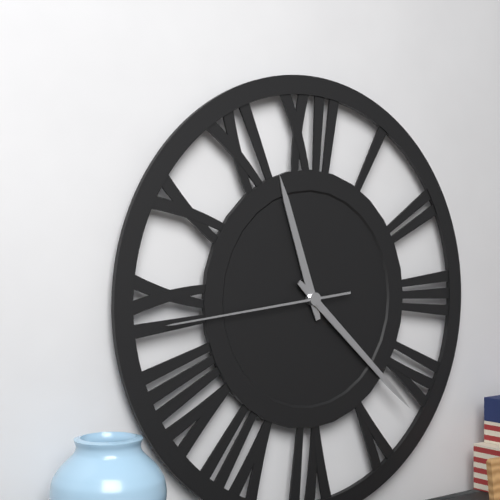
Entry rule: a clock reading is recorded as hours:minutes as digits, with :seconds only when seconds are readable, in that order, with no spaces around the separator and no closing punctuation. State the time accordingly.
11:22:44
